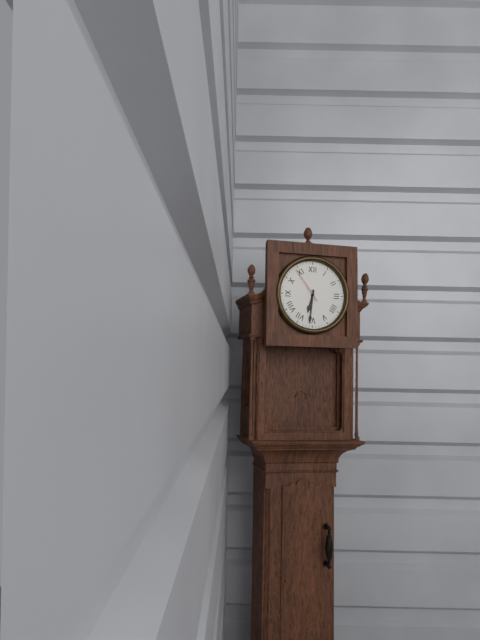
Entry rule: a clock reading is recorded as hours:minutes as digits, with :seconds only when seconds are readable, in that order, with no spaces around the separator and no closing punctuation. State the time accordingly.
6:31
